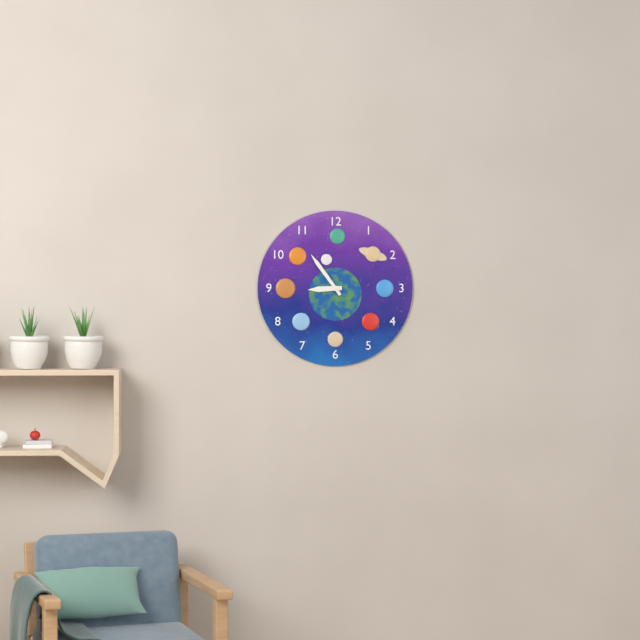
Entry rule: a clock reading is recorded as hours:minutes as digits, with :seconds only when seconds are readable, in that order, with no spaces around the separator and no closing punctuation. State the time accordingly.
8:54
